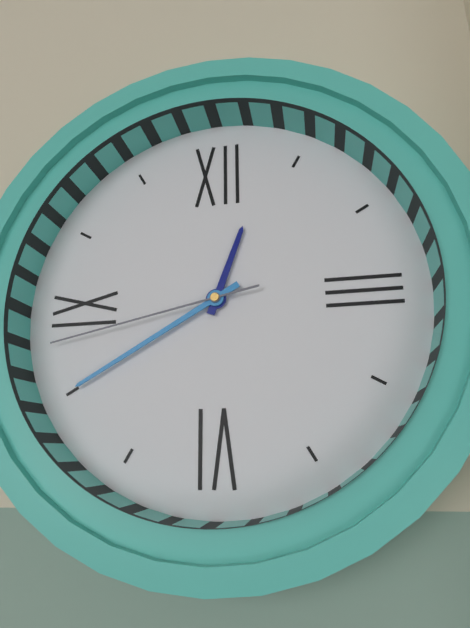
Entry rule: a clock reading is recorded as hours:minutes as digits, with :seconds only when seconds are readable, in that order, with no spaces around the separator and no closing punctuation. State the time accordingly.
12:40:43
